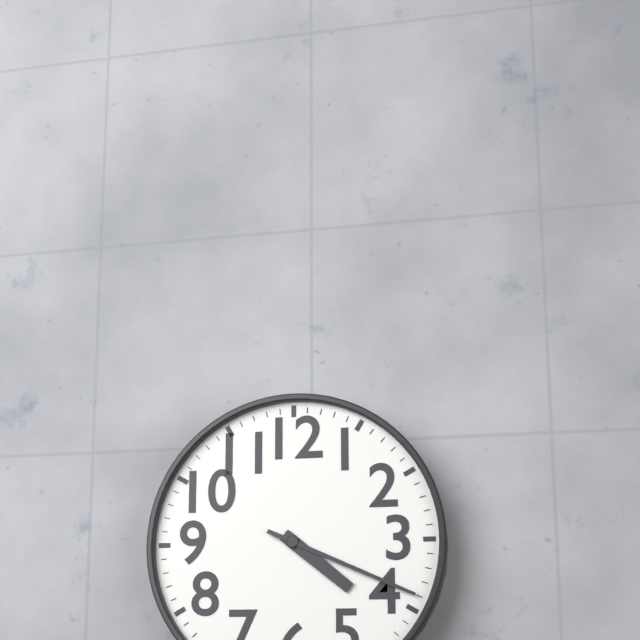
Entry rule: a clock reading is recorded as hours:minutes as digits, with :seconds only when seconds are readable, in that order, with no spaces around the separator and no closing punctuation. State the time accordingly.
4:19
